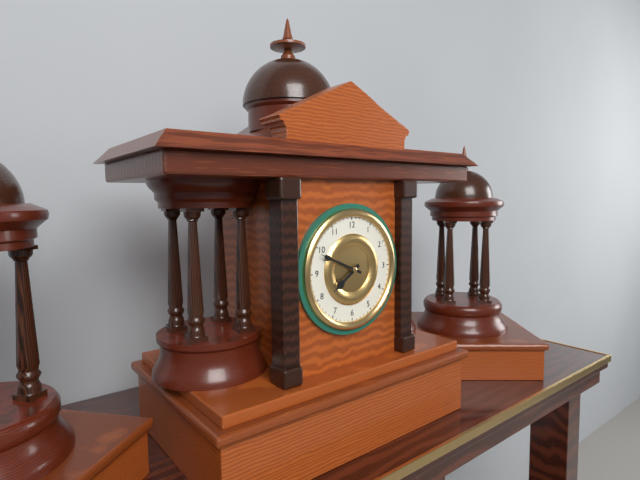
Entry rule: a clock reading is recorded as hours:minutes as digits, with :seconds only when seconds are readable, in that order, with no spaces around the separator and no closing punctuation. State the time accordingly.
7:49
